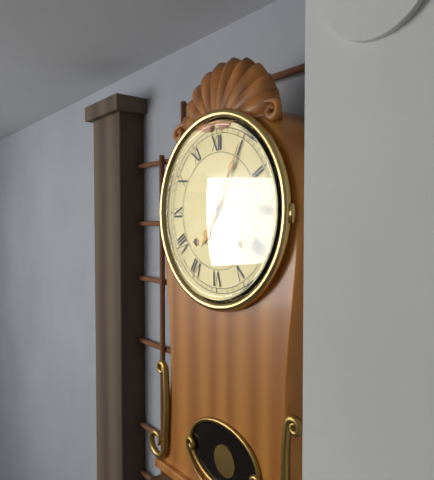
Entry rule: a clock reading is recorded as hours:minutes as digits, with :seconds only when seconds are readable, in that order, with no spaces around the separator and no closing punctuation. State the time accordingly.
7:05
